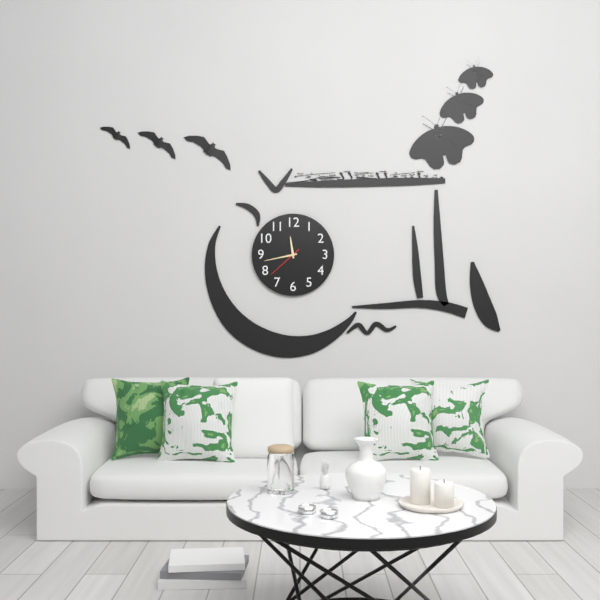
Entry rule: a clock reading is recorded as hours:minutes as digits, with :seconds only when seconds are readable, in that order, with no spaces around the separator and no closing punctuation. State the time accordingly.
11:43
